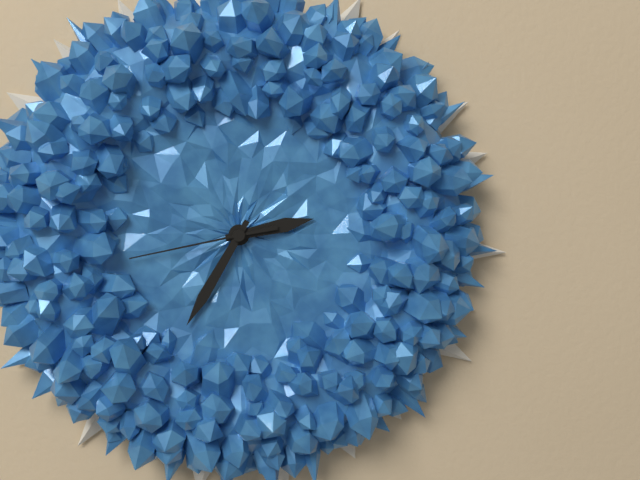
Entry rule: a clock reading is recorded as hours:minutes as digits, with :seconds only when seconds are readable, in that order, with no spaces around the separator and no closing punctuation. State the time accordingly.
2:35:43
